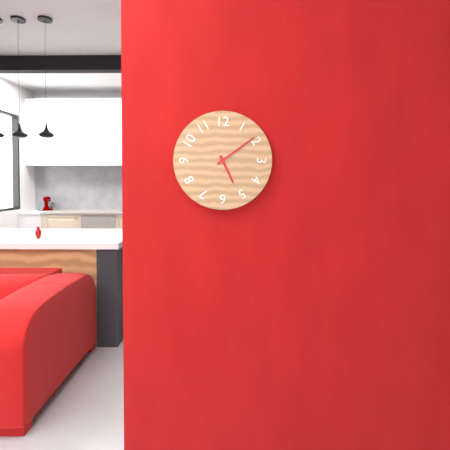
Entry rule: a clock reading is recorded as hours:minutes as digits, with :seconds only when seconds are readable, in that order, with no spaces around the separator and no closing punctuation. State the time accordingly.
5:09
